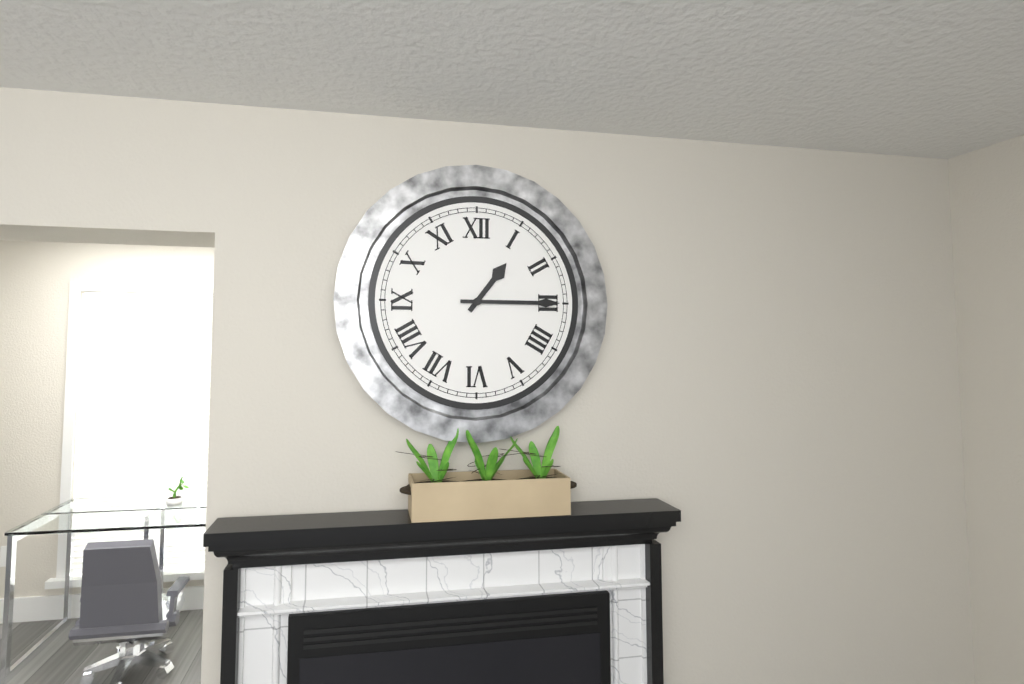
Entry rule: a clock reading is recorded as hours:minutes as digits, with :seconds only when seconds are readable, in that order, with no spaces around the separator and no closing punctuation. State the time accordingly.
1:15
